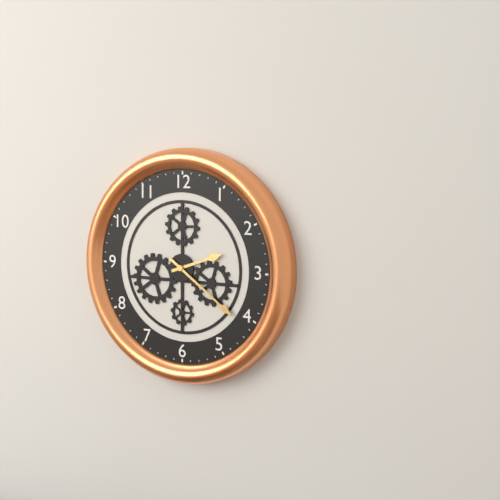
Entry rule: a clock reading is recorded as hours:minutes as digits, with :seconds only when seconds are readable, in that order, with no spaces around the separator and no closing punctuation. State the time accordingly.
2:21
